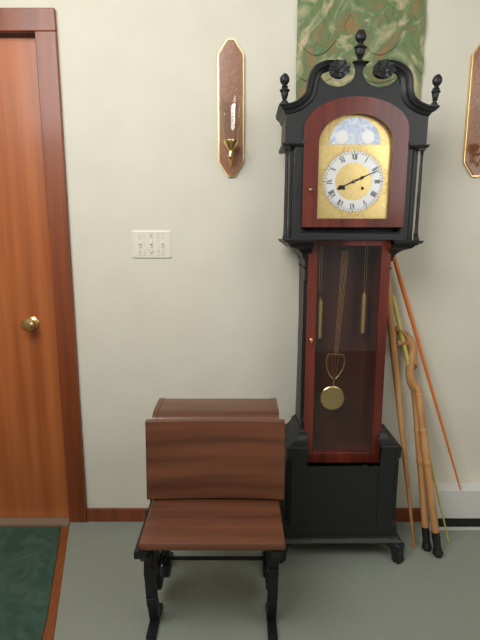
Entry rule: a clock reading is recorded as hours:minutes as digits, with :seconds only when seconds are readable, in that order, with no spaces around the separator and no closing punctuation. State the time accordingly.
8:11
